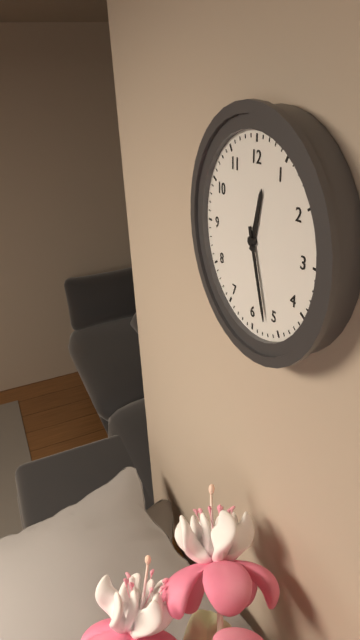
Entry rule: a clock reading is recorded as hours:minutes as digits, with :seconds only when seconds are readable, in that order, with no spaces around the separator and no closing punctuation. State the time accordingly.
12:27
